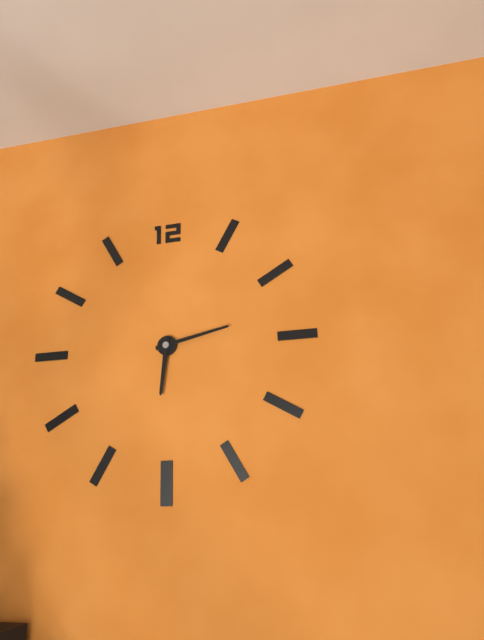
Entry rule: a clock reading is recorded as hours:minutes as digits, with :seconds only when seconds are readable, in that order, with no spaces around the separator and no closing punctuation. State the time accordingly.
6:13
